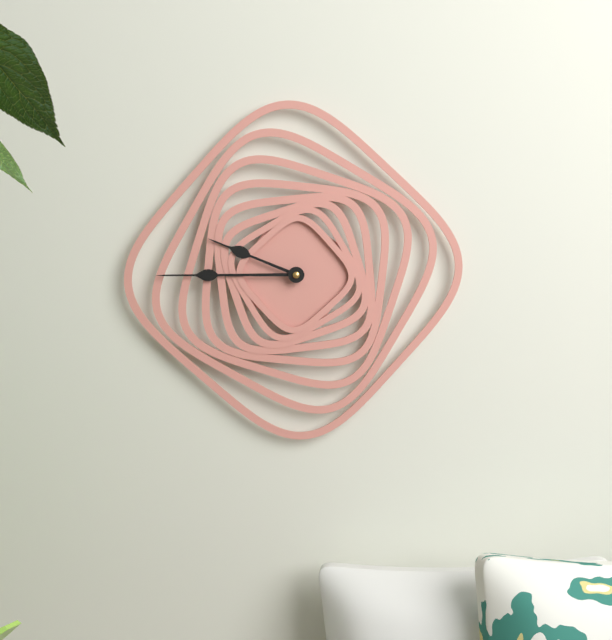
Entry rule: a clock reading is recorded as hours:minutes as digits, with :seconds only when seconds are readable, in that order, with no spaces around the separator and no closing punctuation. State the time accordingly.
9:45
